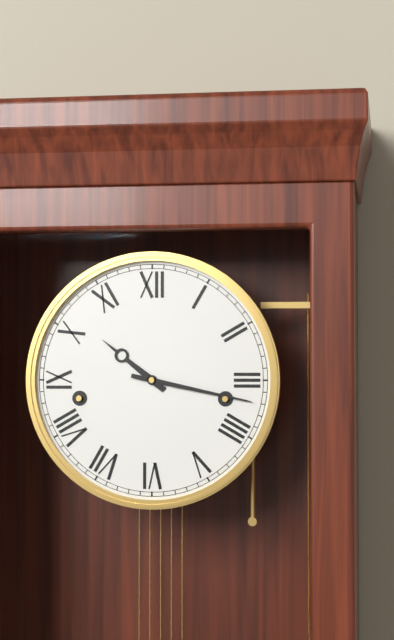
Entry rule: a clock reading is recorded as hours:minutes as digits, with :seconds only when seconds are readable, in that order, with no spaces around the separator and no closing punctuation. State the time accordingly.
10:17
